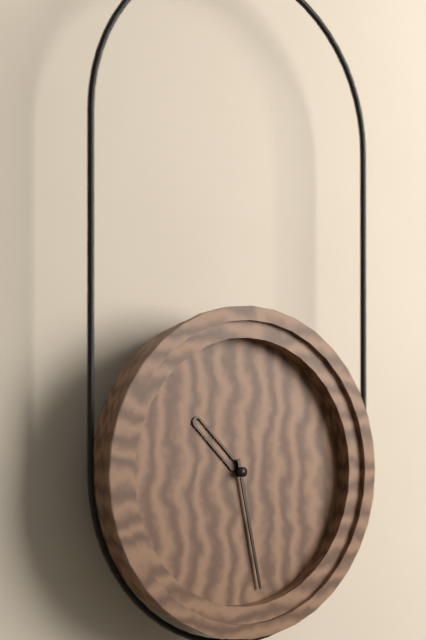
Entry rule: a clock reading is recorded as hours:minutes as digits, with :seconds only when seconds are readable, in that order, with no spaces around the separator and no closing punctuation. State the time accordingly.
10:28
